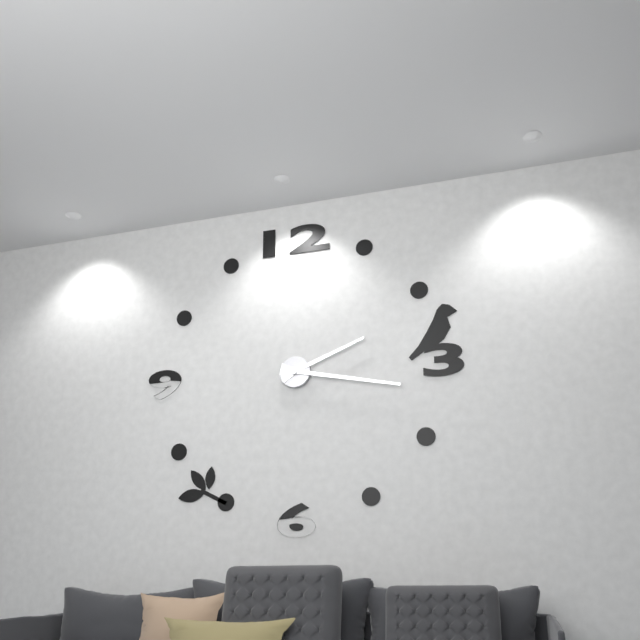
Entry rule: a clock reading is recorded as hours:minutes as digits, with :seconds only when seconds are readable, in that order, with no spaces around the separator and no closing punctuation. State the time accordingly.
2:17
